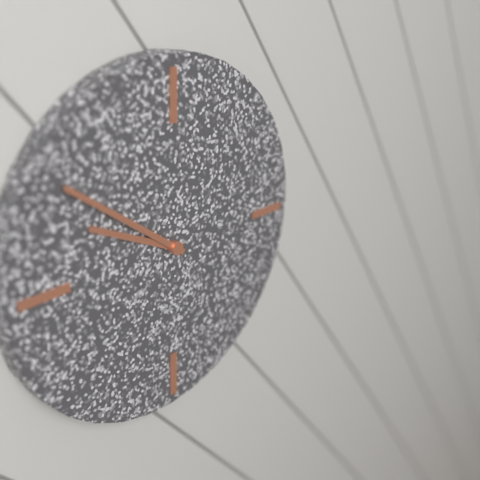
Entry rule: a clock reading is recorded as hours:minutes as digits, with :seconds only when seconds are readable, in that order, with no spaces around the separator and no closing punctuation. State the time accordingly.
9:51
